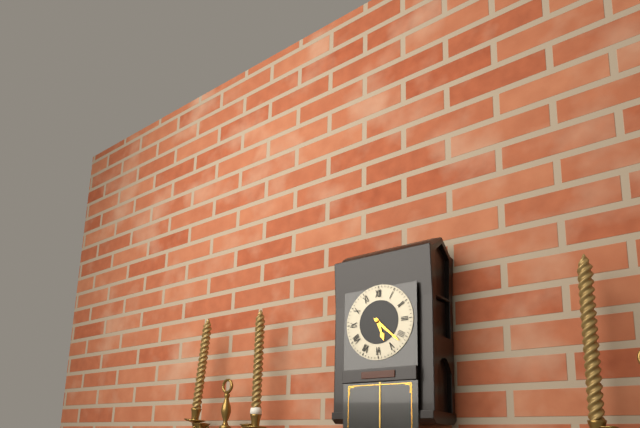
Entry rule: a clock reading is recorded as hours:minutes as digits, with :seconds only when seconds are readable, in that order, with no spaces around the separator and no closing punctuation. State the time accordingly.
5:22
